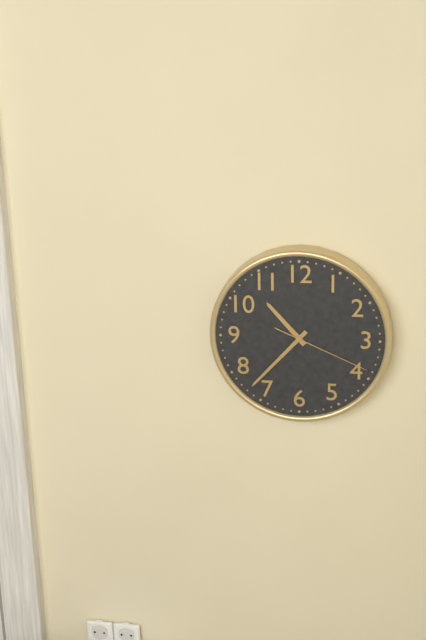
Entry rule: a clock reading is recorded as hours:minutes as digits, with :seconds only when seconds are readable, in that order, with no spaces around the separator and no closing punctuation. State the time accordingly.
10:37:19
